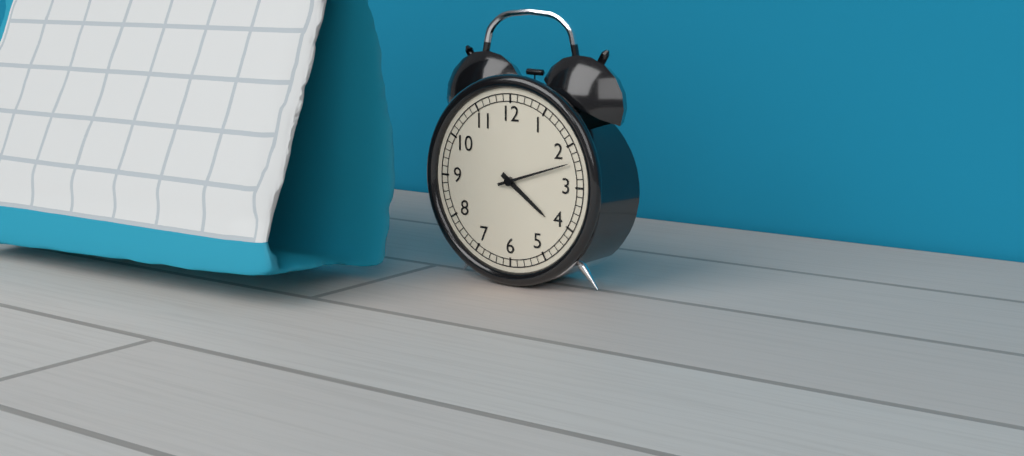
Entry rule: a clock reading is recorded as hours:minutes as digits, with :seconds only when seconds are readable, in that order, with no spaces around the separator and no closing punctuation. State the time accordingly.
4:12
